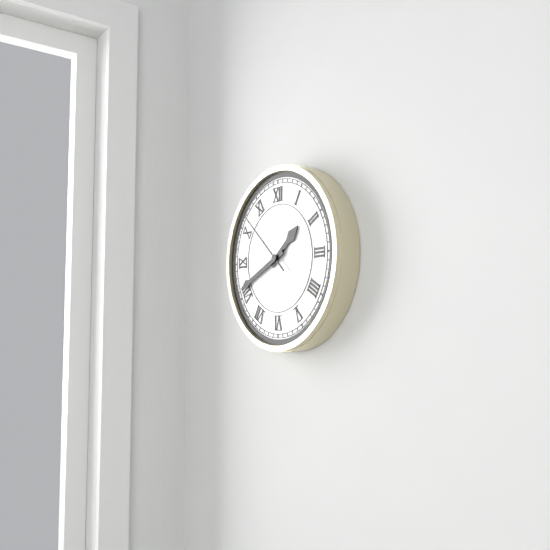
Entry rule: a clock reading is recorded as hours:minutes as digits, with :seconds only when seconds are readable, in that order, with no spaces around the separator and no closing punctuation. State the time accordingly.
1:41:52
